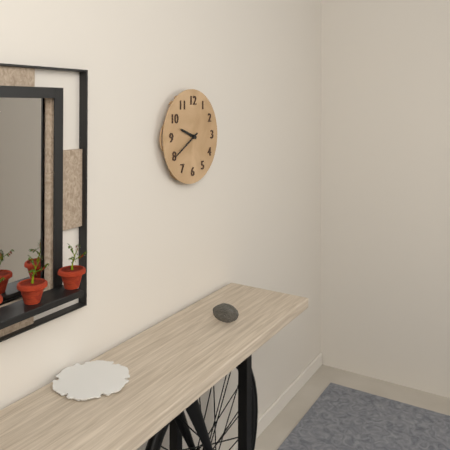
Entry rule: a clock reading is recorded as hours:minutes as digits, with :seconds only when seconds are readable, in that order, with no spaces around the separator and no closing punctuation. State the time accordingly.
9:40
